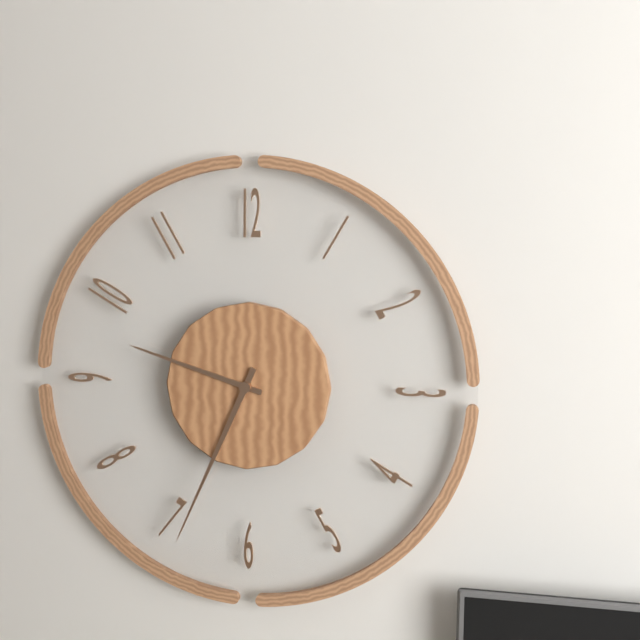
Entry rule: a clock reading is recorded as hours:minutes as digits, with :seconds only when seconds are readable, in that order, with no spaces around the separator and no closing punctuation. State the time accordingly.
9:34
